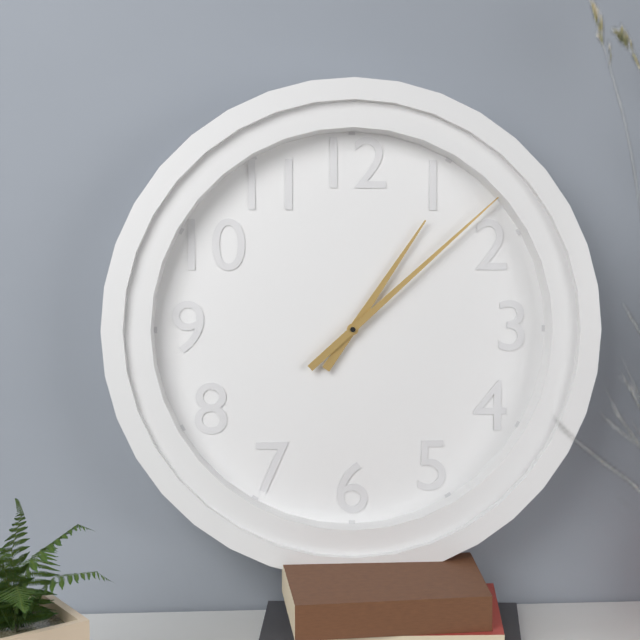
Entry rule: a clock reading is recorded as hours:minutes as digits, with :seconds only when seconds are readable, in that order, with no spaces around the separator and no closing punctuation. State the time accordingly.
1:08
